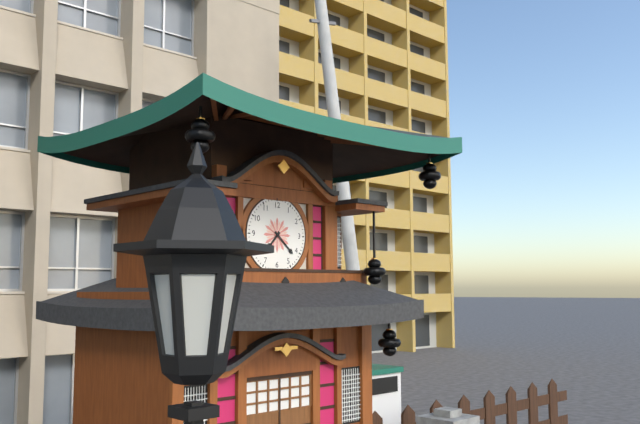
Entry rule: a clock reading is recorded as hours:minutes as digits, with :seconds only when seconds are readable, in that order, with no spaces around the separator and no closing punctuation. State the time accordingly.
7:22
